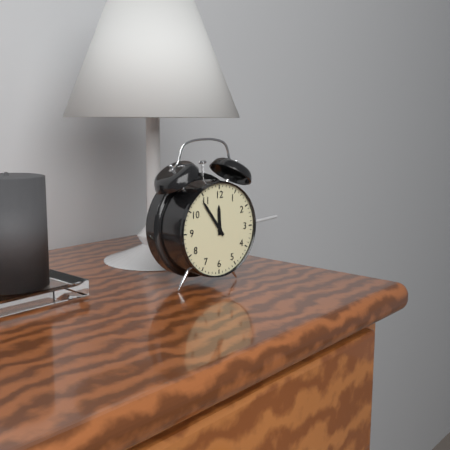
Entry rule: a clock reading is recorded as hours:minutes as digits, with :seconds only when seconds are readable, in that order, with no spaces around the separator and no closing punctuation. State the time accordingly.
11:54
